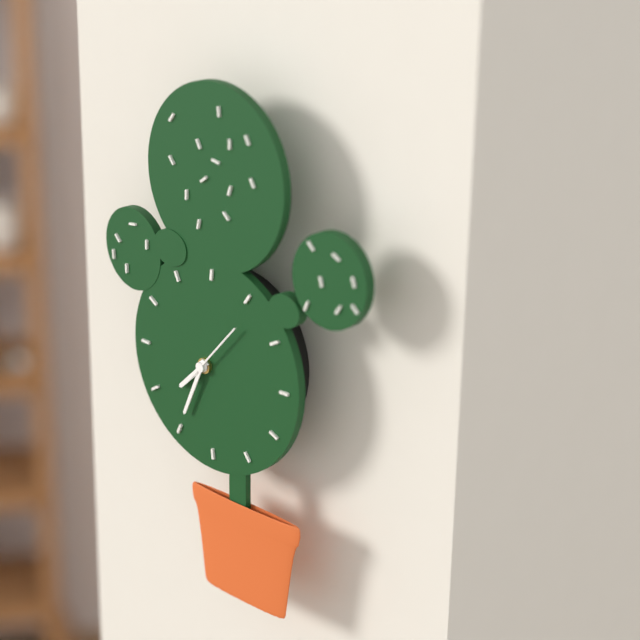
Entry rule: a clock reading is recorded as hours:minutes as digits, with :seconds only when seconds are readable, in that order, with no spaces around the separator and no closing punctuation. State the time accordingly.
7:34
